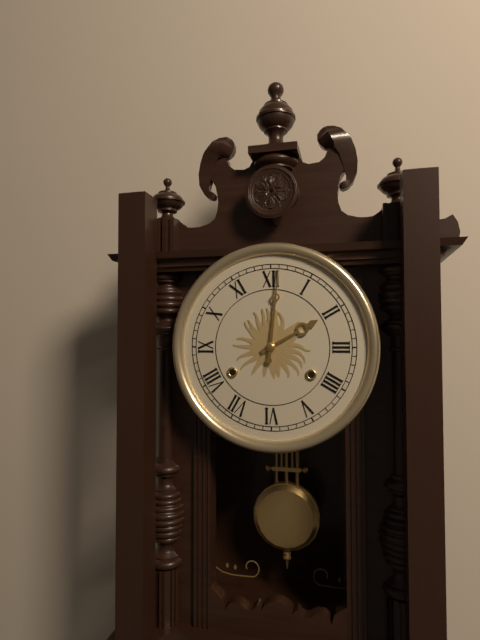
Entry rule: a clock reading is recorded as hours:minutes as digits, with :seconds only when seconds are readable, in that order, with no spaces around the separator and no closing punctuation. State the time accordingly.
2:01
